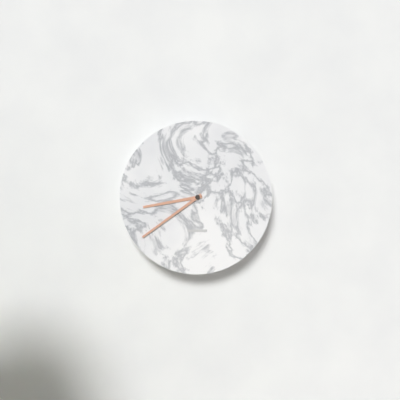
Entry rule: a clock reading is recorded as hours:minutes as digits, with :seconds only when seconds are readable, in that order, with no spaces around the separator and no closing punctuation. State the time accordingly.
8:39
